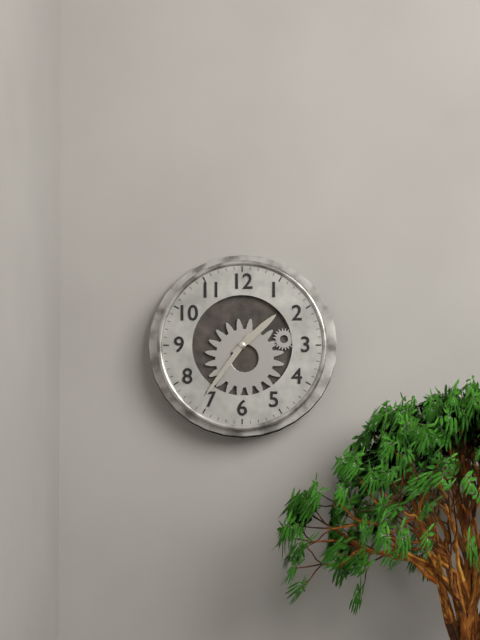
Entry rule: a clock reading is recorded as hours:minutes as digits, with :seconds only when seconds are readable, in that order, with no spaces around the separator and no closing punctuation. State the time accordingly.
1:36
